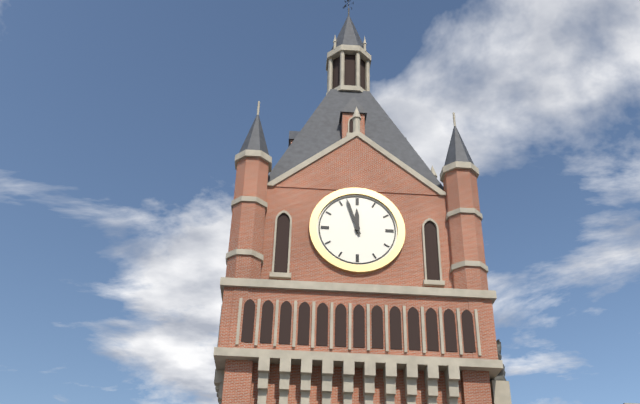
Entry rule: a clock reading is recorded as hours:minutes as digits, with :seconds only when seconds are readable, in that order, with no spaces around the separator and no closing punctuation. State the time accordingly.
11:57
